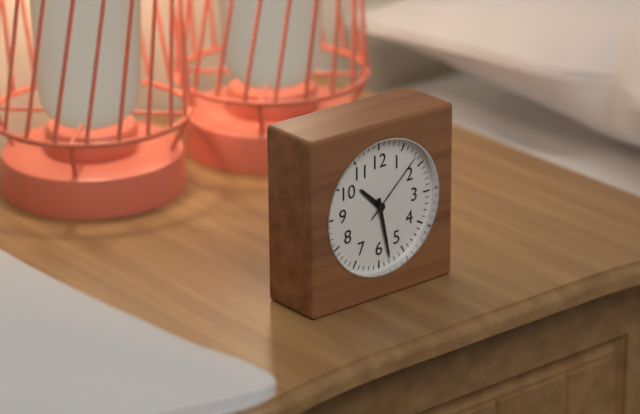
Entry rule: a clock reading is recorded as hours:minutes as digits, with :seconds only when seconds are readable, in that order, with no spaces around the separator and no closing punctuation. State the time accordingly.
10:28:08
